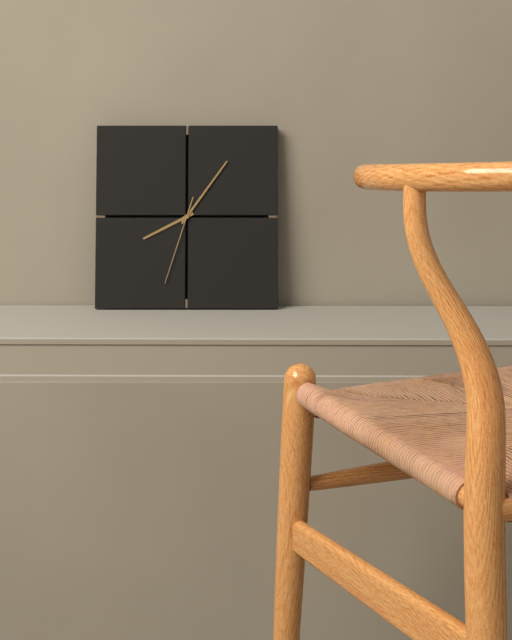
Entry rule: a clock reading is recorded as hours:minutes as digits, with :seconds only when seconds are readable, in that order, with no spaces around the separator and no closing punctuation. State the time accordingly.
8:06:33
